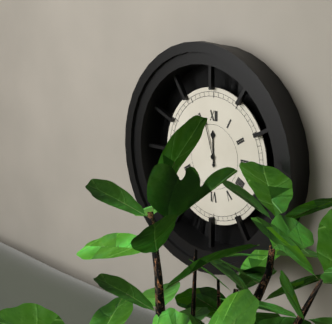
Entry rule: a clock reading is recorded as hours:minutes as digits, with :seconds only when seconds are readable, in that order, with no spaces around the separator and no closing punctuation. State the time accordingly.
11:57
